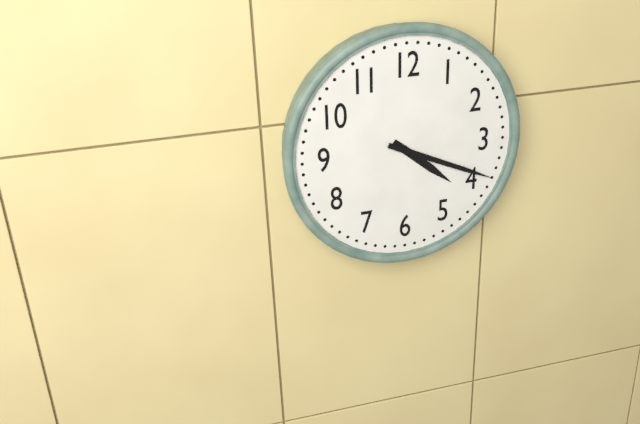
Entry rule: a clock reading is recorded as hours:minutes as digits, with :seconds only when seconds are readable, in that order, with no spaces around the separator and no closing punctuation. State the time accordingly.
4:19
